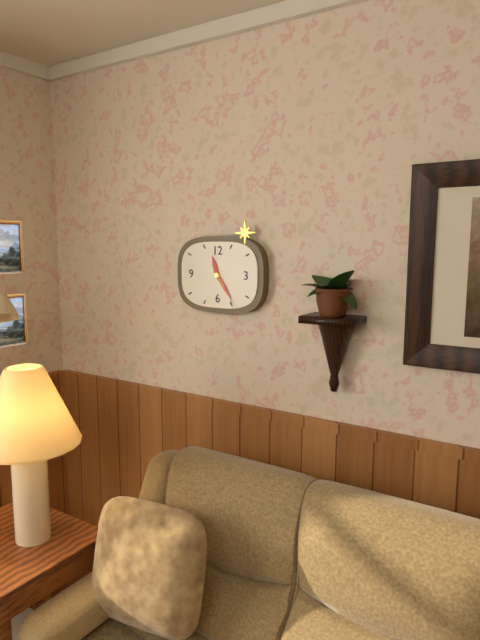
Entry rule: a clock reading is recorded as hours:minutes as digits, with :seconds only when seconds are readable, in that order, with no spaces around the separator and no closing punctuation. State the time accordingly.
11:24
